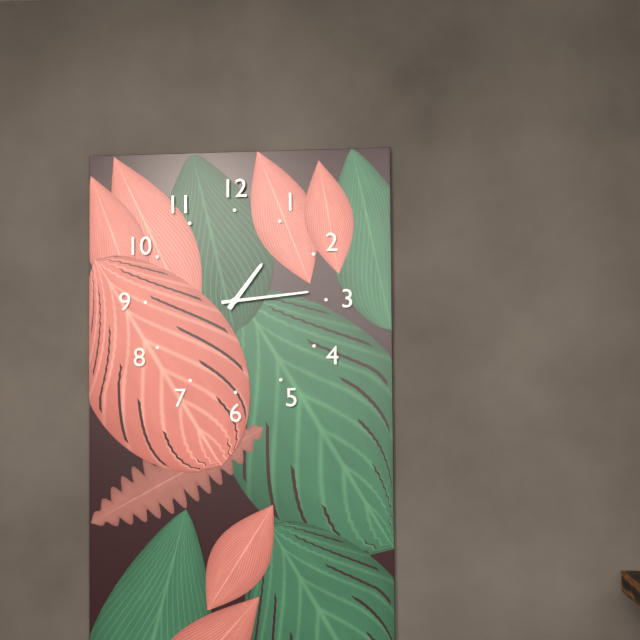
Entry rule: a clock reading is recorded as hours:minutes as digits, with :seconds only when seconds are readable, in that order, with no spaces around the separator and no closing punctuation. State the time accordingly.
1:14
